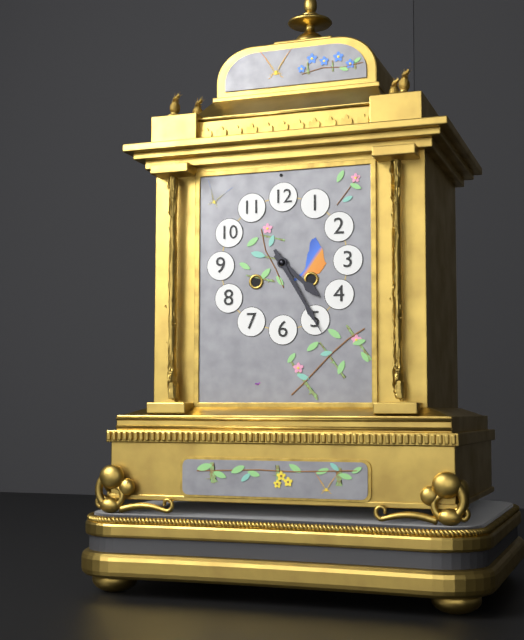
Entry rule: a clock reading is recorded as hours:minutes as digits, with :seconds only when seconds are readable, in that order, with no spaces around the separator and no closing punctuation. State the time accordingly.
4:25
